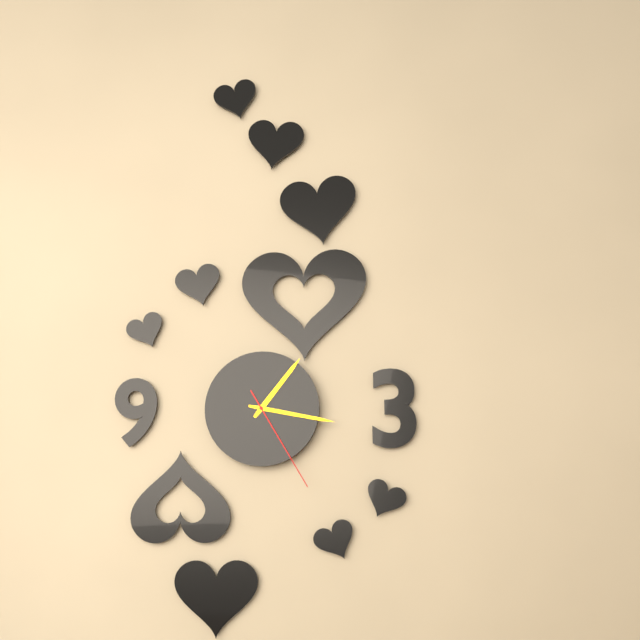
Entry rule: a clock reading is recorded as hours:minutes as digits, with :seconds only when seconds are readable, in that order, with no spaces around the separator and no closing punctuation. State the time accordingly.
1:17:25
